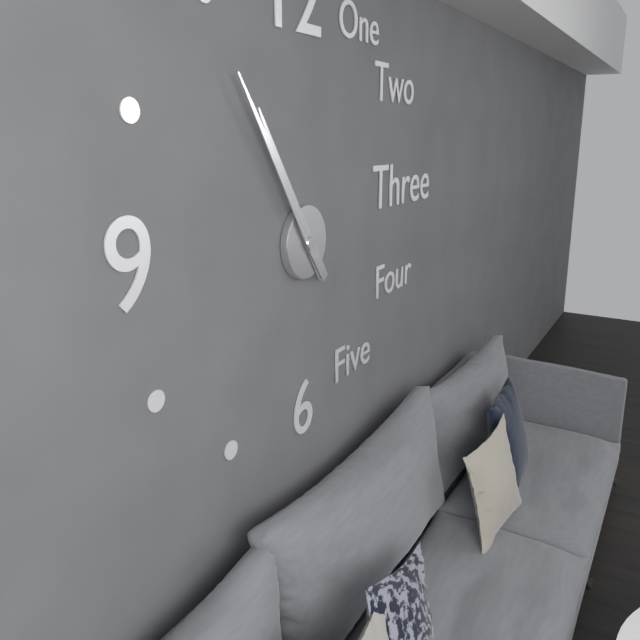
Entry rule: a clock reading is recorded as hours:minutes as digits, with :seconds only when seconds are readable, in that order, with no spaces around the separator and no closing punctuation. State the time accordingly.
10:54
